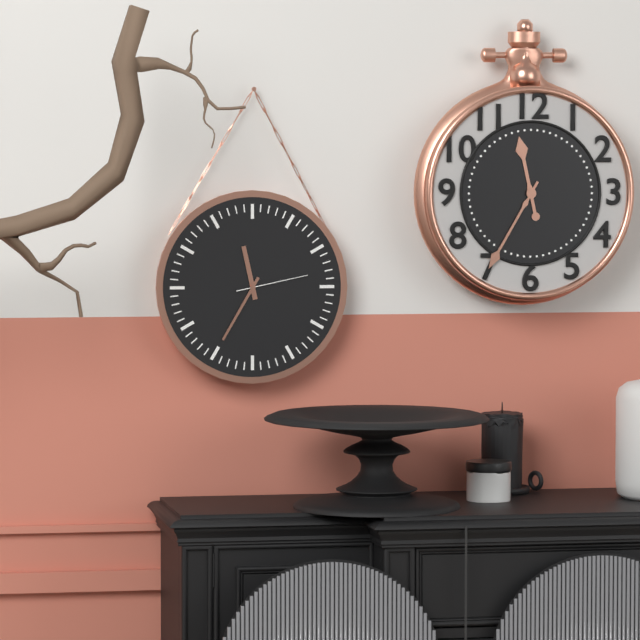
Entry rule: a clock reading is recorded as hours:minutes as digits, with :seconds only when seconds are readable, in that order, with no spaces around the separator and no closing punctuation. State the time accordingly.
11:35:13
